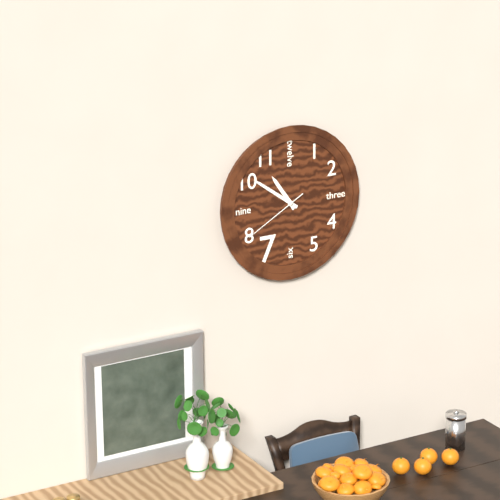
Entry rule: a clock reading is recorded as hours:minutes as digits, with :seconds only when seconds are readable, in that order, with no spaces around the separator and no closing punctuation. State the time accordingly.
10:51:40
